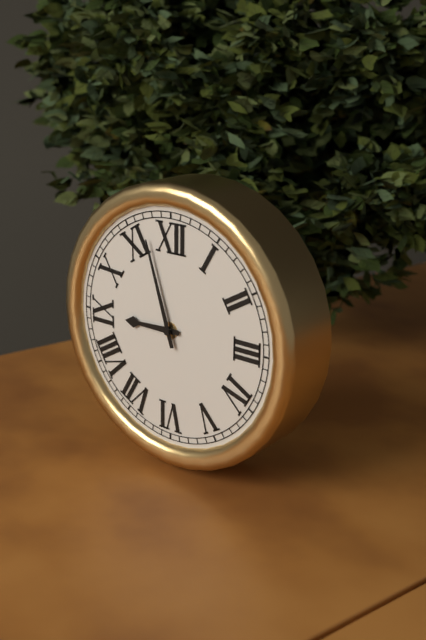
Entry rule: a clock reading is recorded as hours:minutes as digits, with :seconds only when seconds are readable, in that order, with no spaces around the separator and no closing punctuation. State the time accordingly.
8:57
